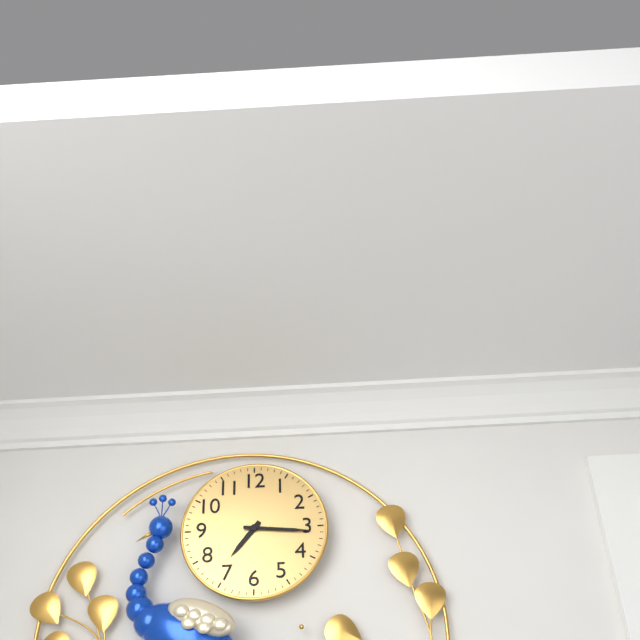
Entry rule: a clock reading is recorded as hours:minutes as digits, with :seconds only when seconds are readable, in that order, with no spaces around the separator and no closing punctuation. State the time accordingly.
7:16
